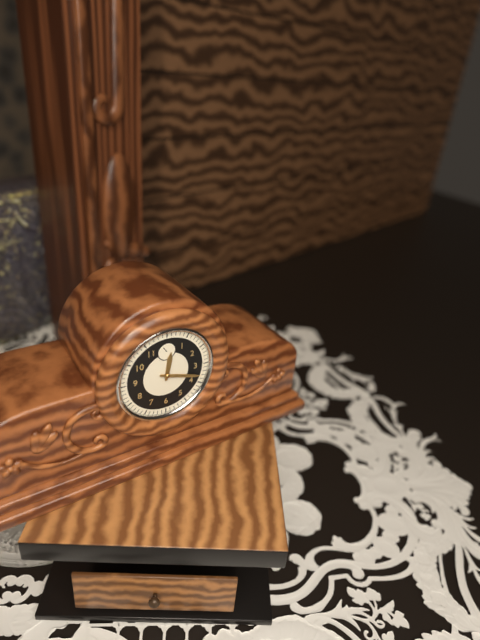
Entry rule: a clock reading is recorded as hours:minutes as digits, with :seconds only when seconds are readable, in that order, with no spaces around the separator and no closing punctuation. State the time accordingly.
12:18
